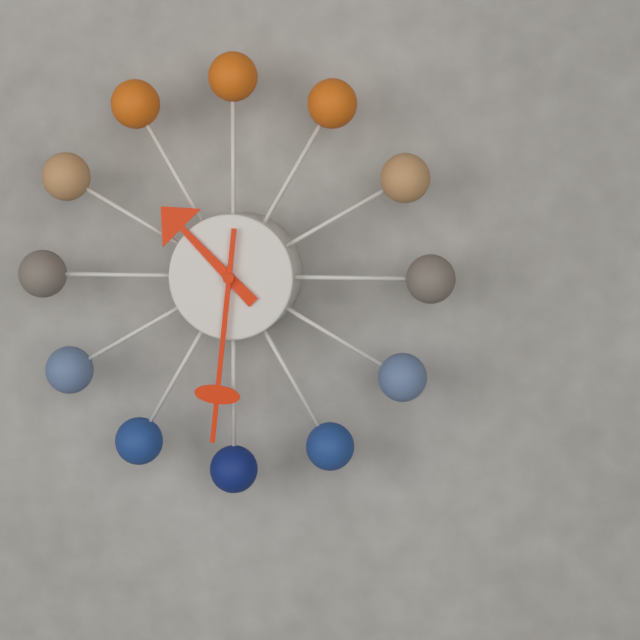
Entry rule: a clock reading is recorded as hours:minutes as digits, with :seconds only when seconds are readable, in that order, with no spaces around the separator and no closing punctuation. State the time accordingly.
10:31
